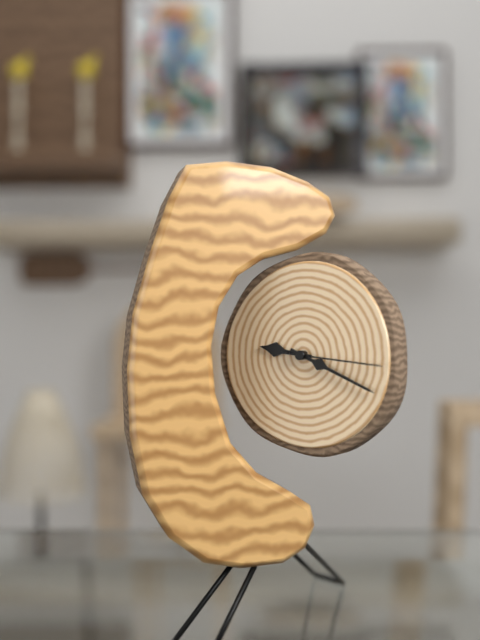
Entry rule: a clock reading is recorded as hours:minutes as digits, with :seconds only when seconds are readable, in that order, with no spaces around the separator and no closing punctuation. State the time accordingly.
9:19:16
